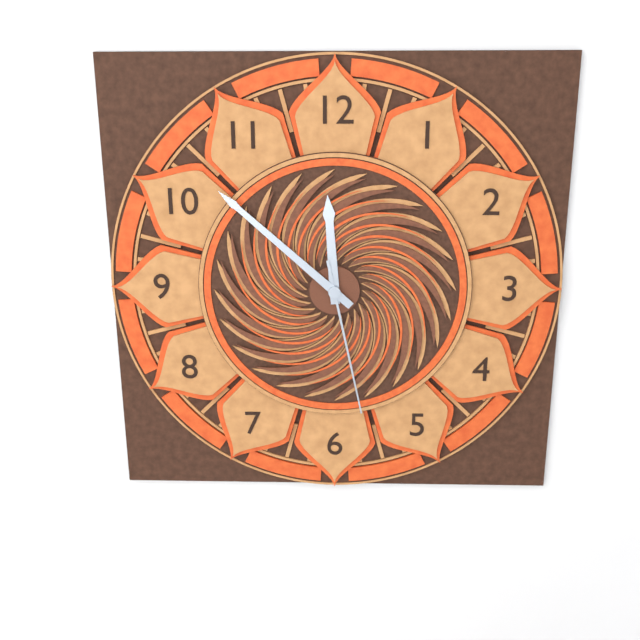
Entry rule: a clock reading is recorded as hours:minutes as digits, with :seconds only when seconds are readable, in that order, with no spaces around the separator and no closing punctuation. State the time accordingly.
11:52:28
